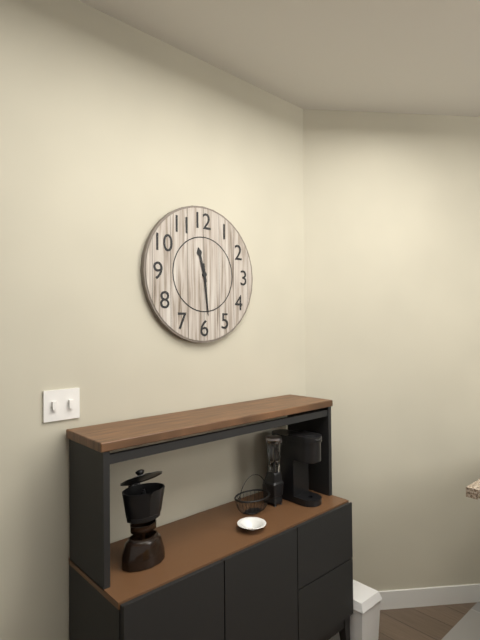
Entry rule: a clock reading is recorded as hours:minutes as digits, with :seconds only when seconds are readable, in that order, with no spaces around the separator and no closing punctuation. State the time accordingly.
11:29
